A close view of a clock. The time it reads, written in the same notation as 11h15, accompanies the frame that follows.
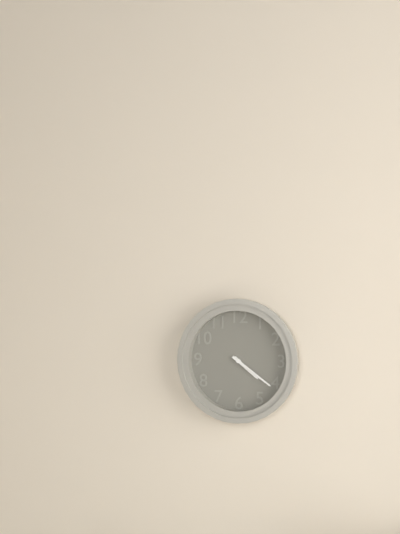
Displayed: 4h21
